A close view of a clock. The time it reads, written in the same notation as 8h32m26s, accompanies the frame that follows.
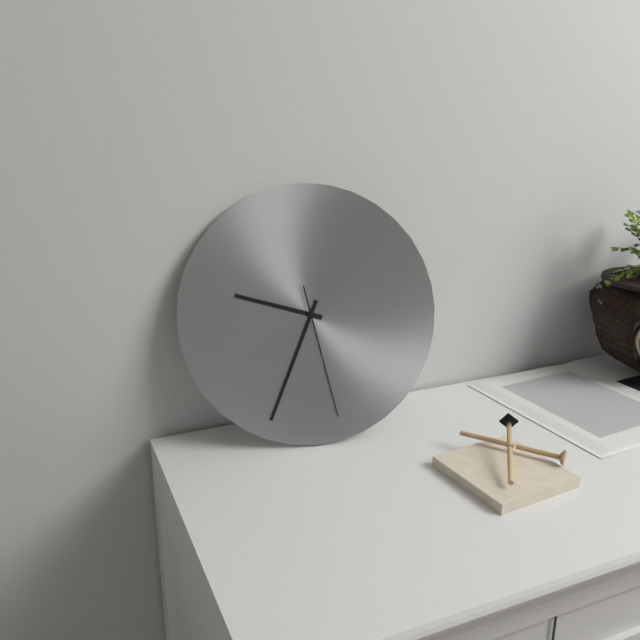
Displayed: 9h34m28s
